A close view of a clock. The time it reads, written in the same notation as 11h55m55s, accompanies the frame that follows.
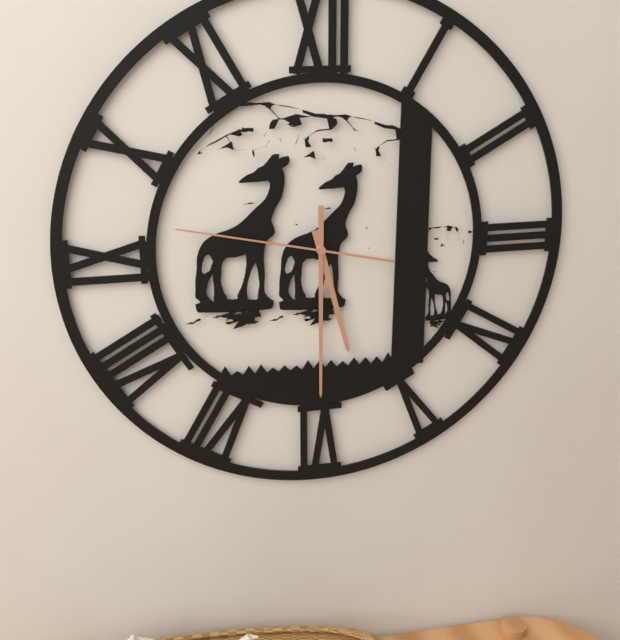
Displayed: 5h30m47s
